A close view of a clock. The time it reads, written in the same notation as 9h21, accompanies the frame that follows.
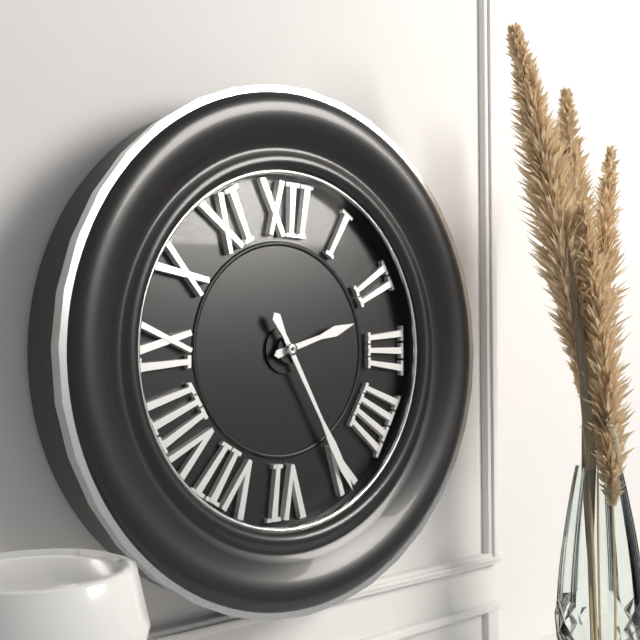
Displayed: 2h25
